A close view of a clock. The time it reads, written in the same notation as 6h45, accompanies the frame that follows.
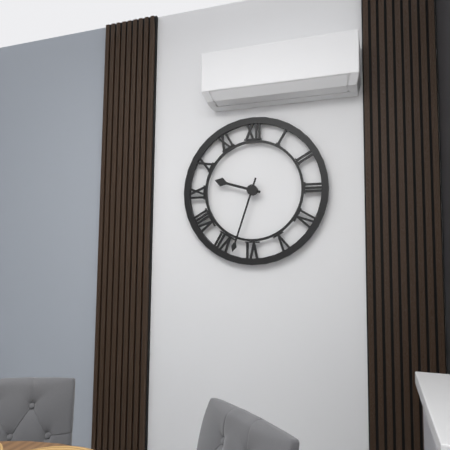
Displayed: 9h33
